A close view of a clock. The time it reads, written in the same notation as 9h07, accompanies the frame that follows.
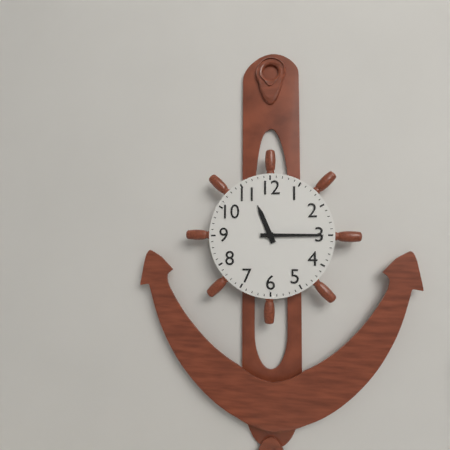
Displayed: 11h15
